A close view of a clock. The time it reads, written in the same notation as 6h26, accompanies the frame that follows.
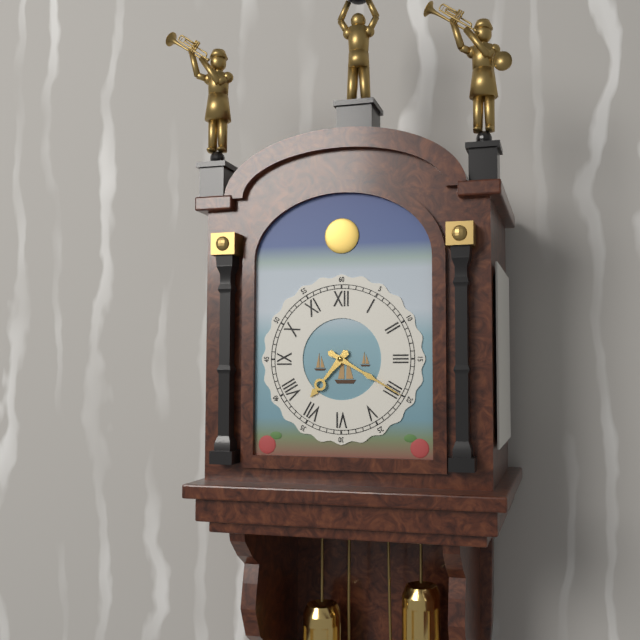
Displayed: 7h20
